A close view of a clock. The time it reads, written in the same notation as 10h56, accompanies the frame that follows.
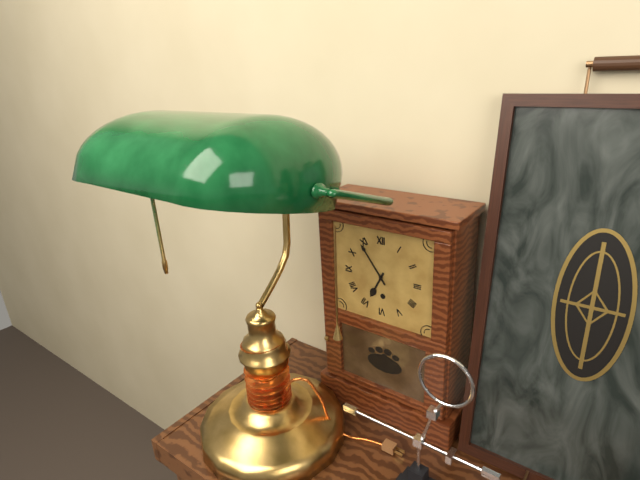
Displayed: 6h54
